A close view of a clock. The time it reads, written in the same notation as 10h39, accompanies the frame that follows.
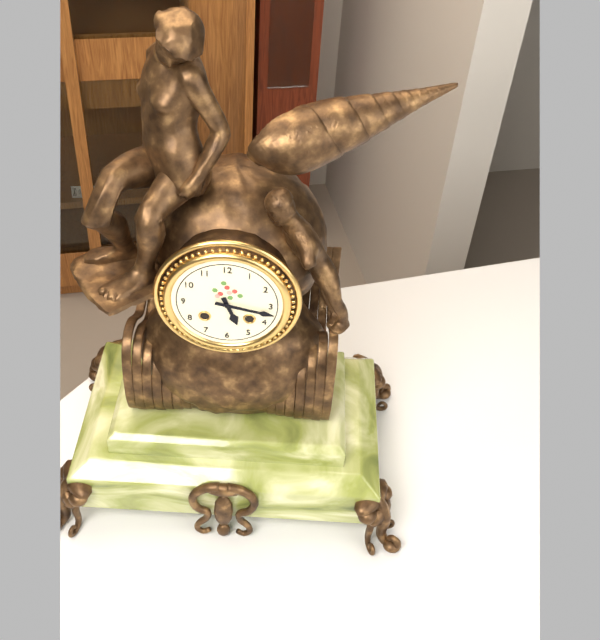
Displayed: 5h17
